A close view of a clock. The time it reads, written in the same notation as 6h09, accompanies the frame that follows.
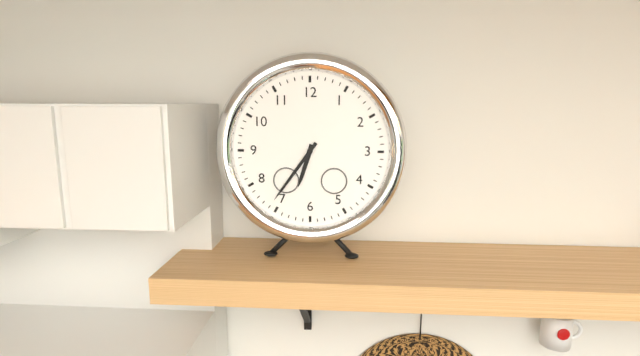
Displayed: 6h36
